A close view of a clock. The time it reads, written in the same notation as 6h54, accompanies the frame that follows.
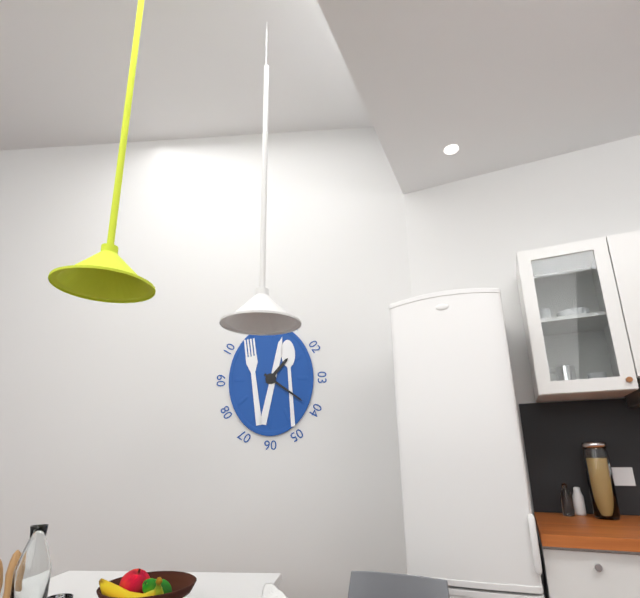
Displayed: 1h21
